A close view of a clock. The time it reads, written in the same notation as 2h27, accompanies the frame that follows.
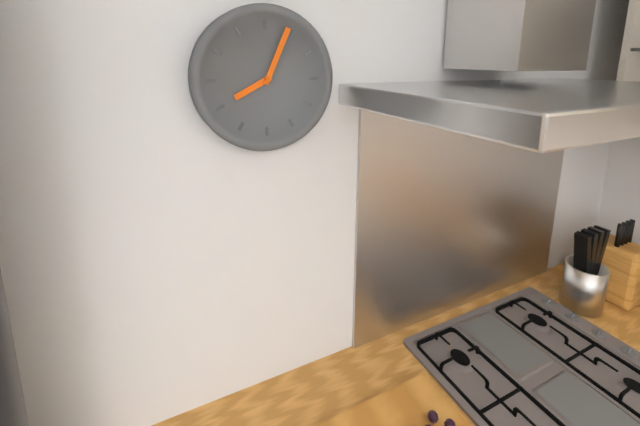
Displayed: 8h04
